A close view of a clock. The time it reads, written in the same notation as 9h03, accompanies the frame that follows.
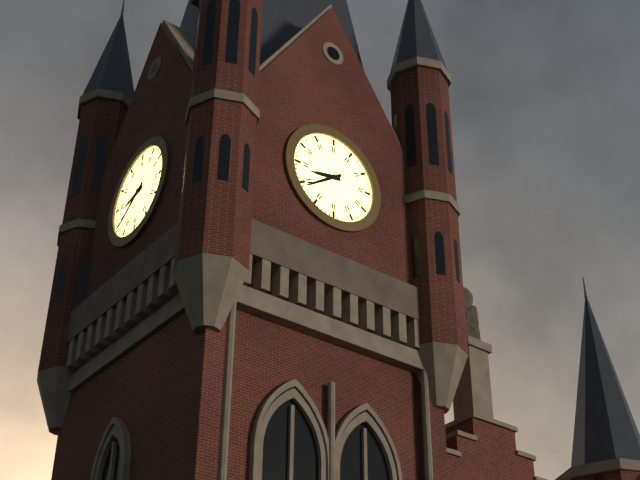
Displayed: 8h39
